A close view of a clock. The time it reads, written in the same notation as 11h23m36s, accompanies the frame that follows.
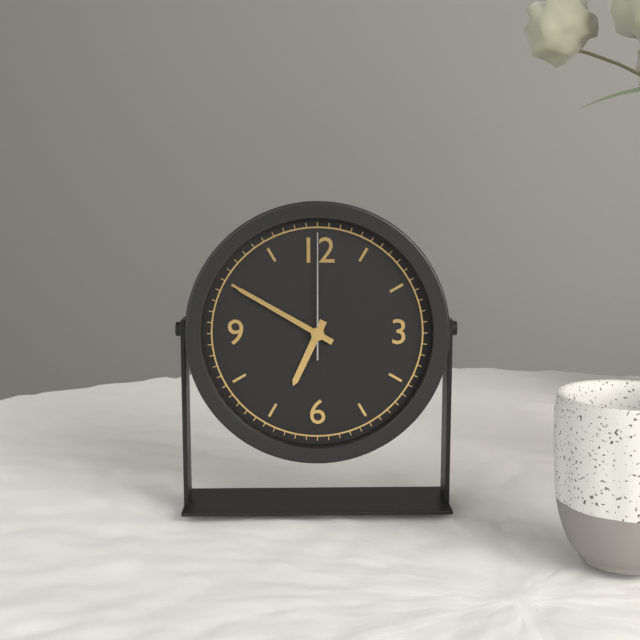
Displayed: 6h50m00s
